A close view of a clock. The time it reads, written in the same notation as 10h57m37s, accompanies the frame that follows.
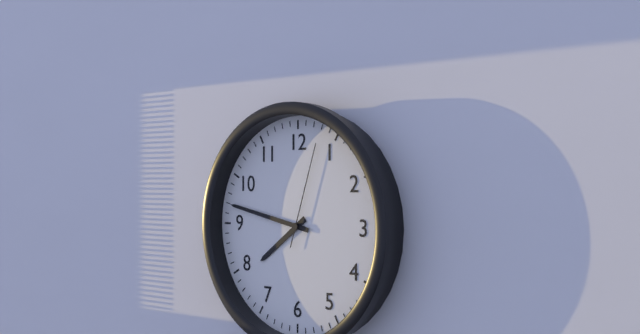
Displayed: 7h47m03s
